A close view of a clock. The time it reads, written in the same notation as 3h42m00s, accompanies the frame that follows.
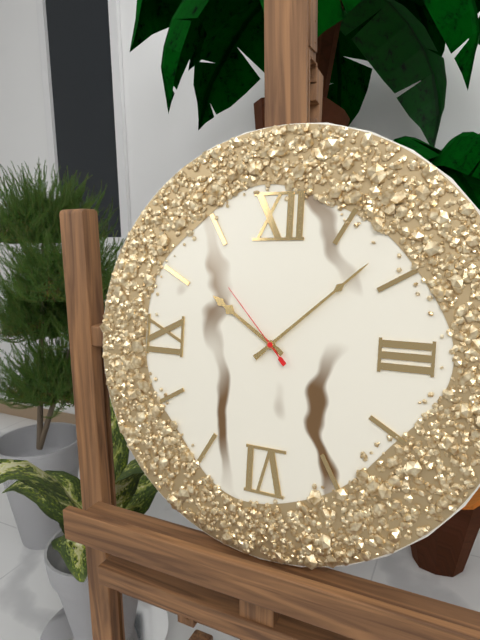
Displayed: 10h08m53s
